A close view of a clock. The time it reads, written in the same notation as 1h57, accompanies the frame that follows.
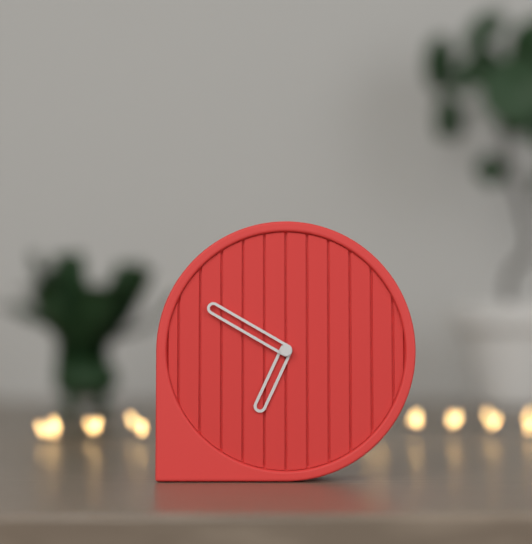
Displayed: 6h50
